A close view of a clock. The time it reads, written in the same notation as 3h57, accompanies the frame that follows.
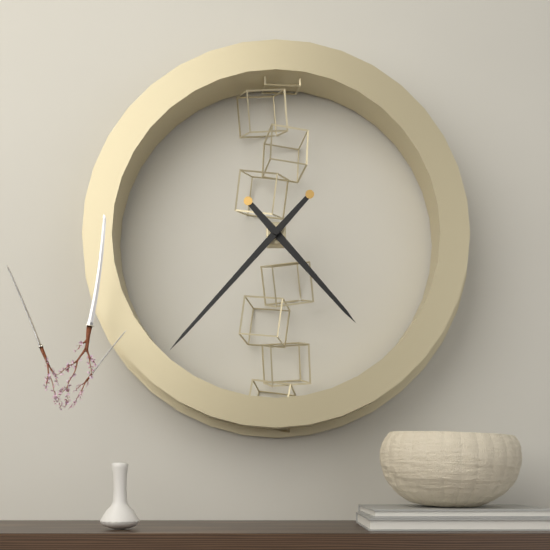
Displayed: 4h37
